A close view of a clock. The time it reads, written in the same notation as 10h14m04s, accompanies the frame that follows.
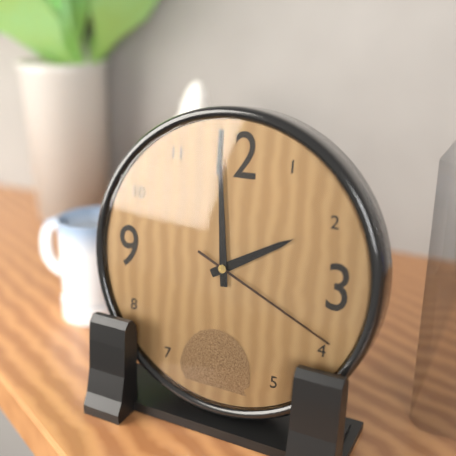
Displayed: 1h59m19s
